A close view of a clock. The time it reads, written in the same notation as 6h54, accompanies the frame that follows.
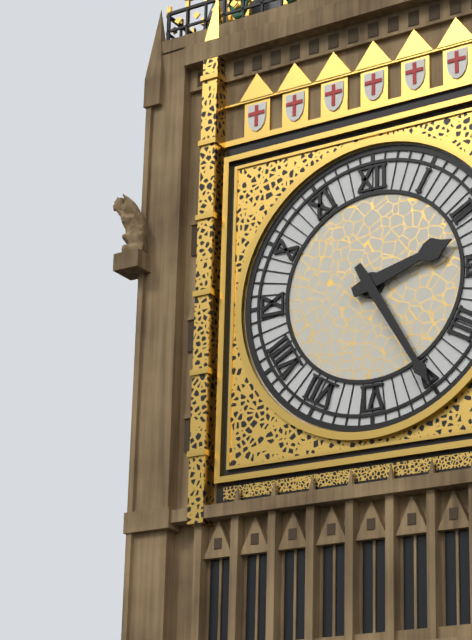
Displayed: 2h25
